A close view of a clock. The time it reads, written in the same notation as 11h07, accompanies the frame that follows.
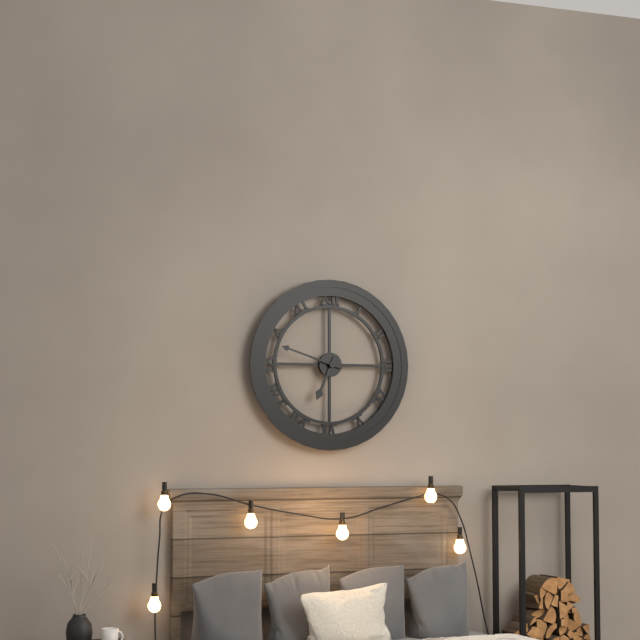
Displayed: 6h48
